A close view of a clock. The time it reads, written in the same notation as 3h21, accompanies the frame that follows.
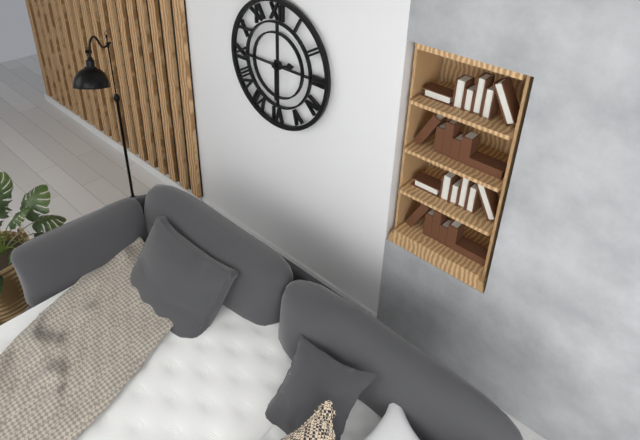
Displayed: 2h30
